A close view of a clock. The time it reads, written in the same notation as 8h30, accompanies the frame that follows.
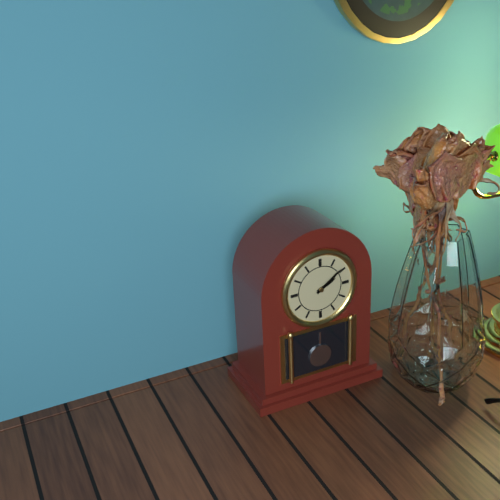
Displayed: 2h09
